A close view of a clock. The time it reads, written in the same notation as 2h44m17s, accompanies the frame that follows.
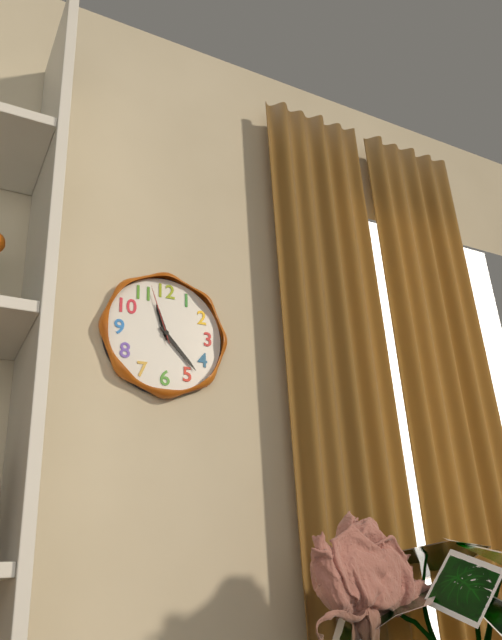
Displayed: 11h23m57s
